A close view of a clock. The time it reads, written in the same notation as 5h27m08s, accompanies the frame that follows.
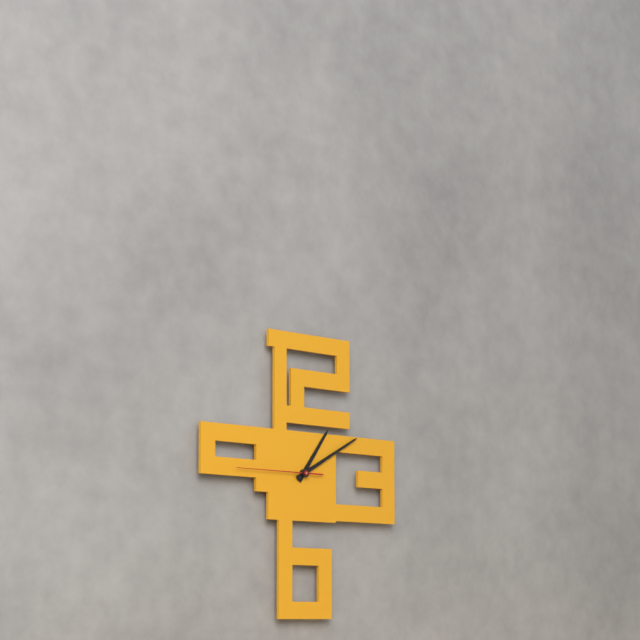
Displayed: 1h10m45s
